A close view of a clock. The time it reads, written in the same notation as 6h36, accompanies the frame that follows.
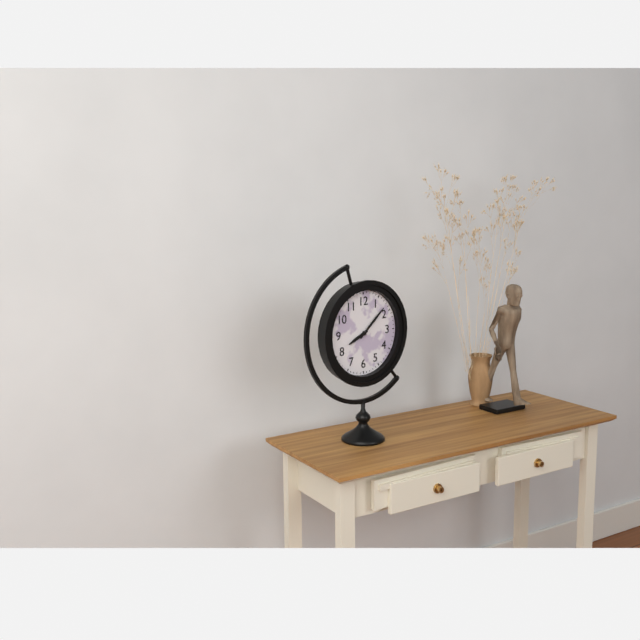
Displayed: 8h08
